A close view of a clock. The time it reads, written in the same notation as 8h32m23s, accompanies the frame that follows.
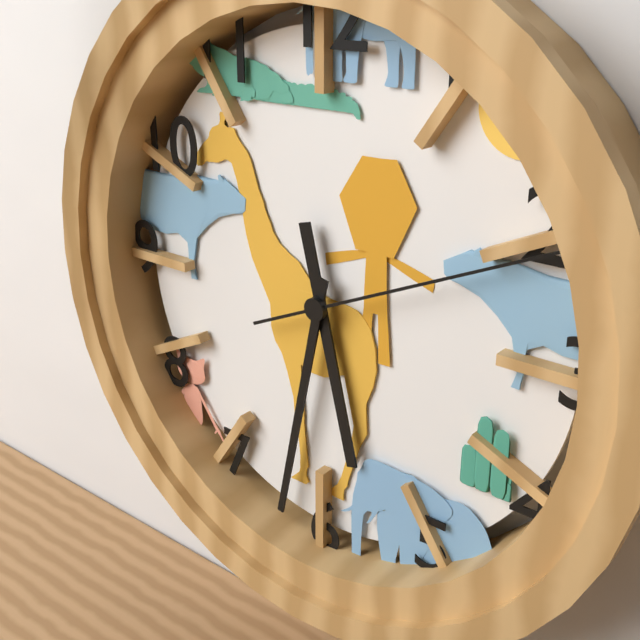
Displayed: 5h32m11s
